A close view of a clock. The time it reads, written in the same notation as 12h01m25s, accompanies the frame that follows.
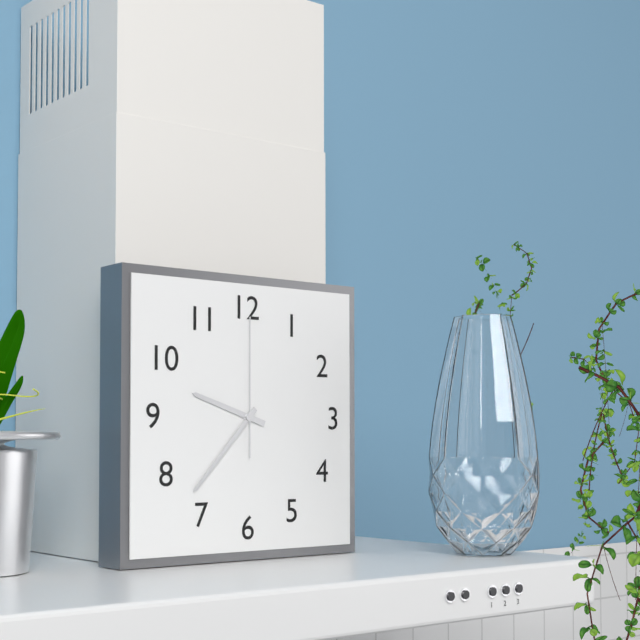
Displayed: 9h37m00s
